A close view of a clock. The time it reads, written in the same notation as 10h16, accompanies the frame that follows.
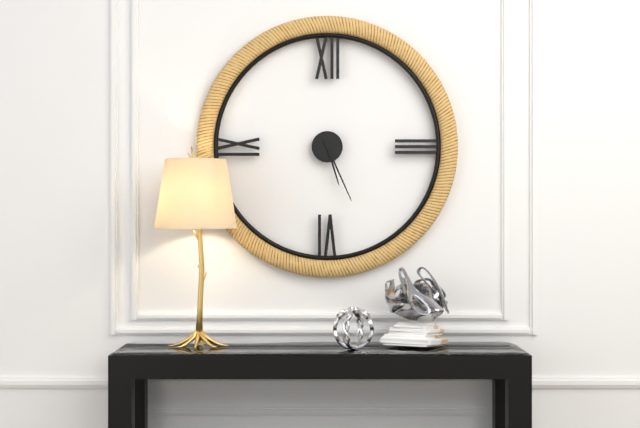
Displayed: 5h26
